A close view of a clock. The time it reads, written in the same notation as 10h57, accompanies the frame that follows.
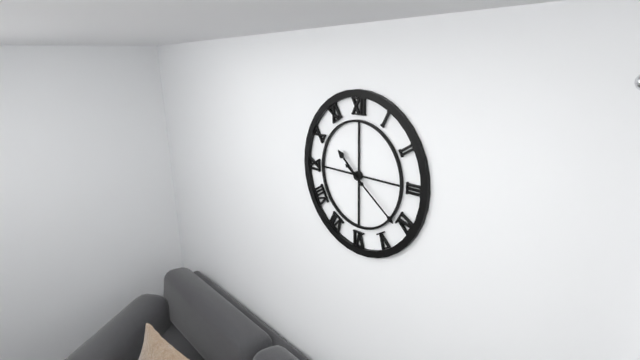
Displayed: 10h21
